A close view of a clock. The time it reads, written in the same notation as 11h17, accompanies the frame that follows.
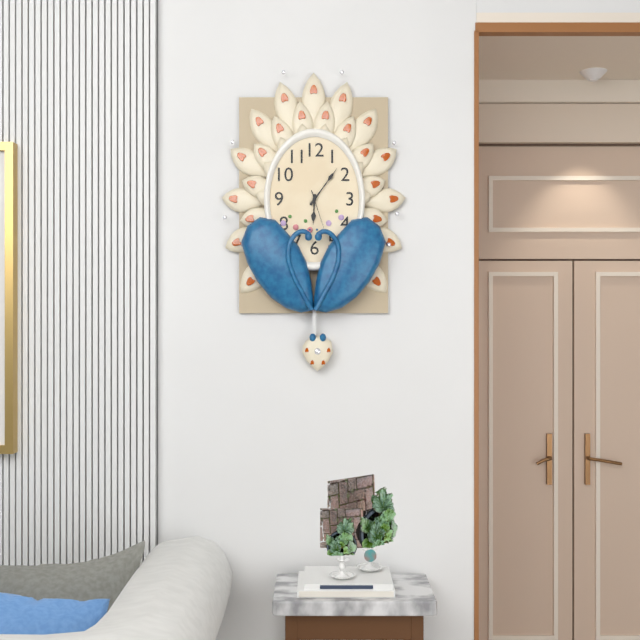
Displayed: 6h06
